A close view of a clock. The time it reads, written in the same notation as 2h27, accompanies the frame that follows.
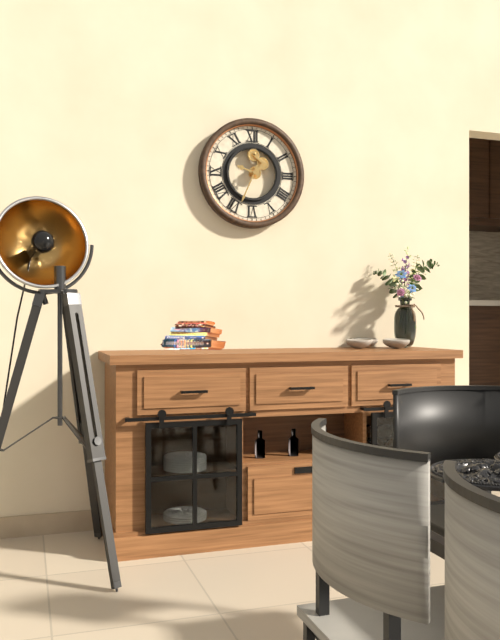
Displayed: 9h34
